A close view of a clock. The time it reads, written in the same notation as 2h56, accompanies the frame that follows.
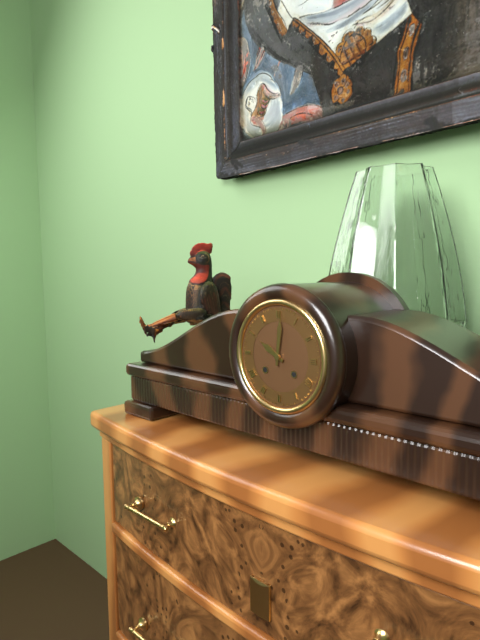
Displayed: 10h01
